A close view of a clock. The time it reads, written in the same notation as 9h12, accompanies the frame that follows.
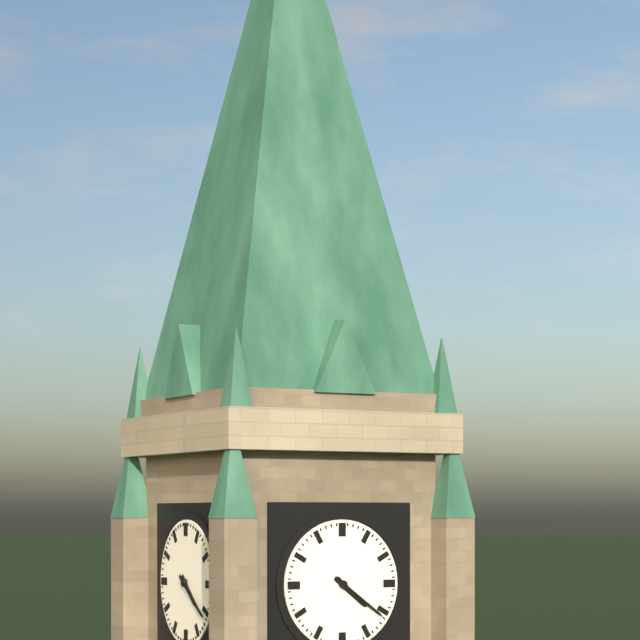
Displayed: 4h21
